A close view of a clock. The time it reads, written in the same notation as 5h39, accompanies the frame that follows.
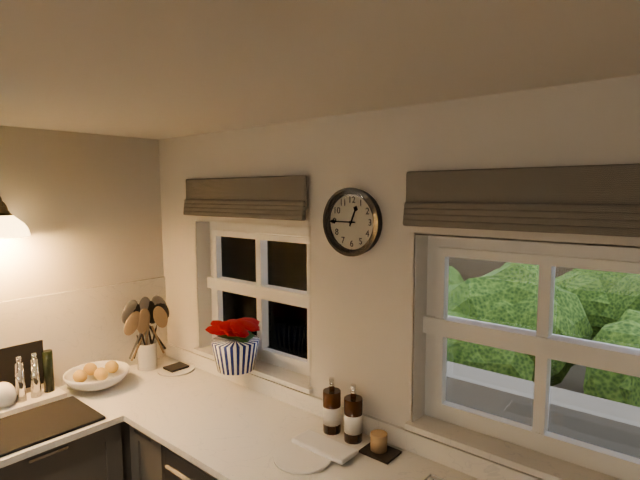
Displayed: 12h45
